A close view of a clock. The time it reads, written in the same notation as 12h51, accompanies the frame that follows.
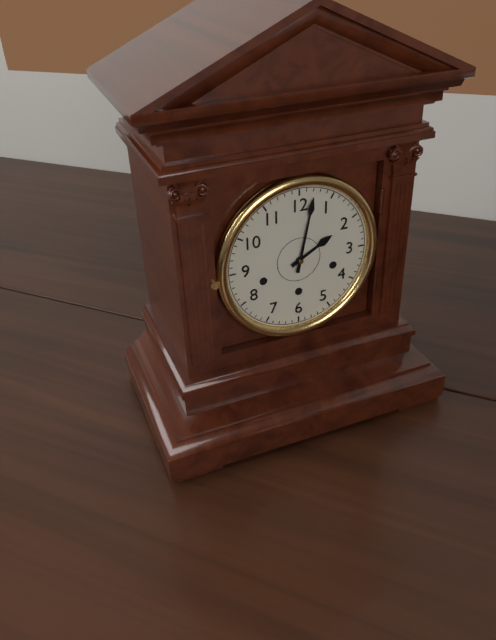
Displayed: 2h02
